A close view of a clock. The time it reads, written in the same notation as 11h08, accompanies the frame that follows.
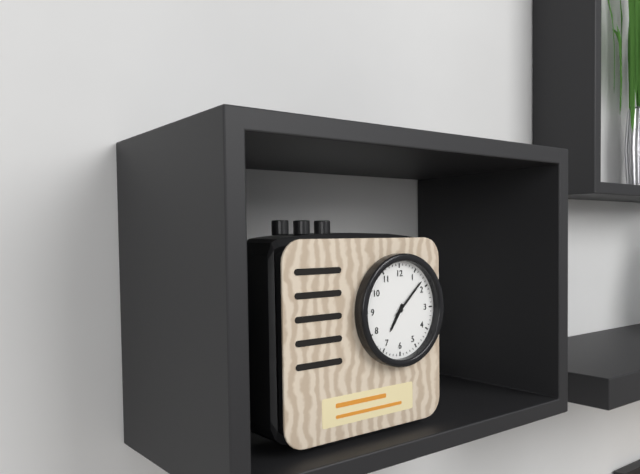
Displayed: 7h08
